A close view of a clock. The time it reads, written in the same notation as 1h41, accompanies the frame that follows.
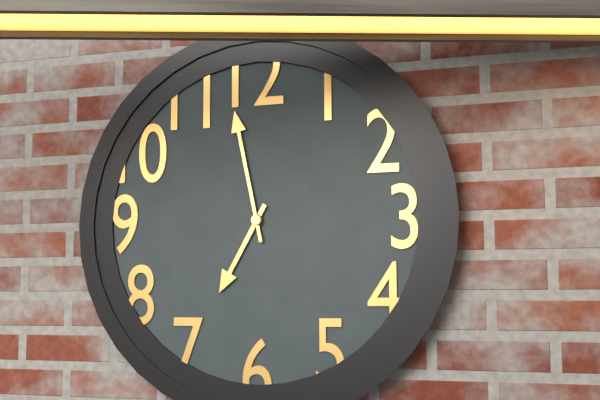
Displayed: 6h58
